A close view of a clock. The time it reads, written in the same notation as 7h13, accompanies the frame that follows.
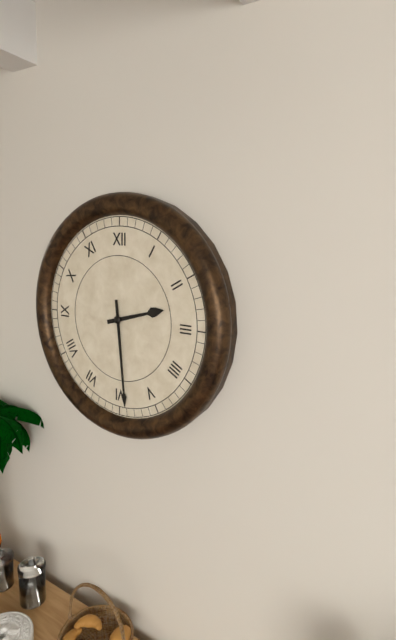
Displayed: 2h29
